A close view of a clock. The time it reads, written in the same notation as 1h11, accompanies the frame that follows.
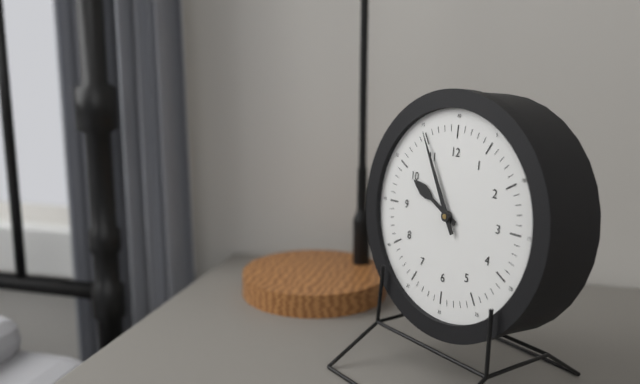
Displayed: 9h55
